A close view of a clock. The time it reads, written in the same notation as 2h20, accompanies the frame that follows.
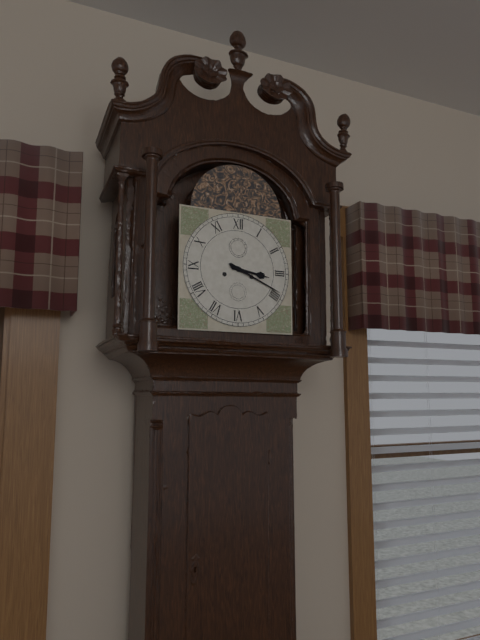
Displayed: 3h19
